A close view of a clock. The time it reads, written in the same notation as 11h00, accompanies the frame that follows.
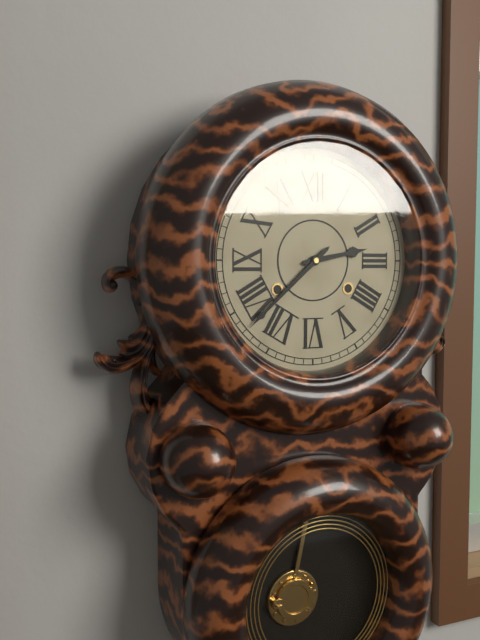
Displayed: 2h38
